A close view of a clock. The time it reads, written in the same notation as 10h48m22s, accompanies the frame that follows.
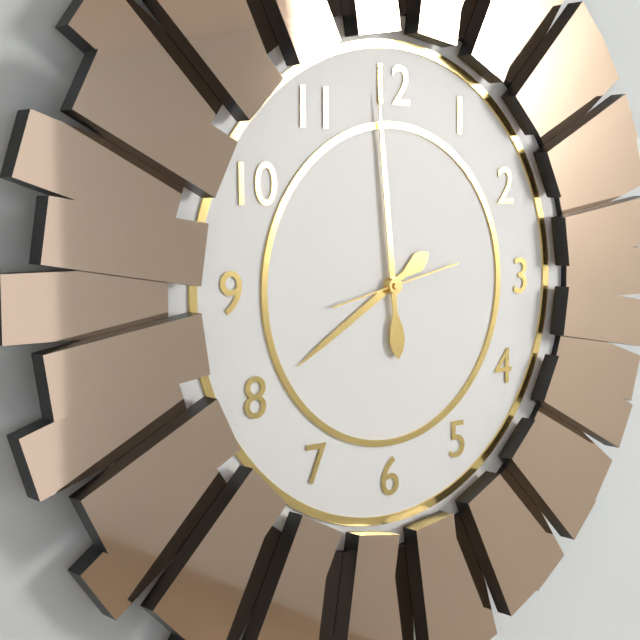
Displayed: 7h59m13s
